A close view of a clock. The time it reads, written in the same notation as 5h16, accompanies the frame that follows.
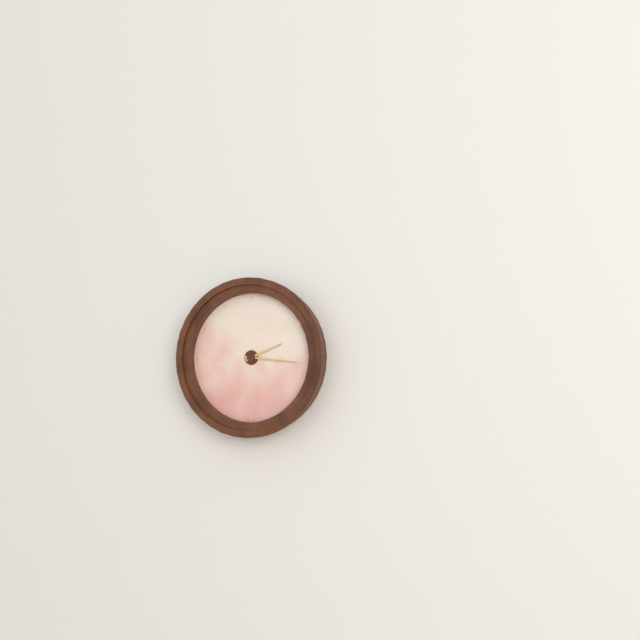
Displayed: 2h16
